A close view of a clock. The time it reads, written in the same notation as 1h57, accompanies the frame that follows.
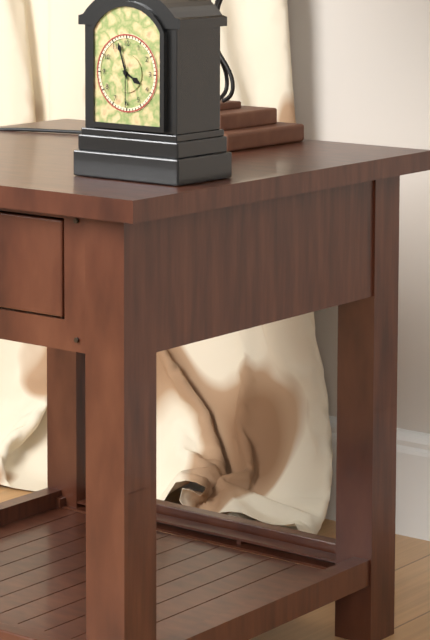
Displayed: 3h57
